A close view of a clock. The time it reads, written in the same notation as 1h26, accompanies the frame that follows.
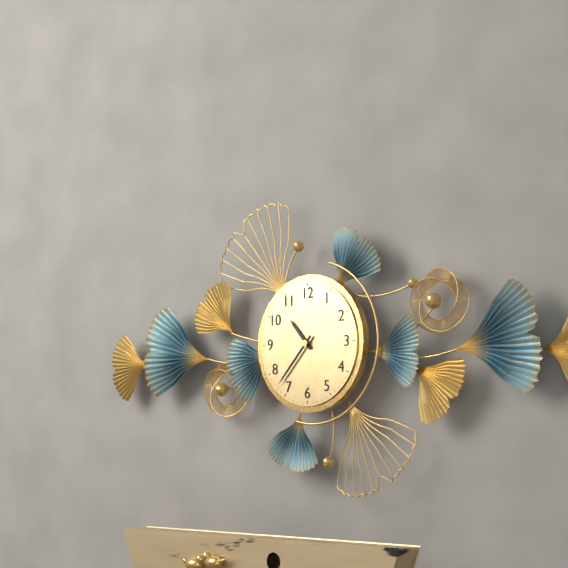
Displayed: 10h37
